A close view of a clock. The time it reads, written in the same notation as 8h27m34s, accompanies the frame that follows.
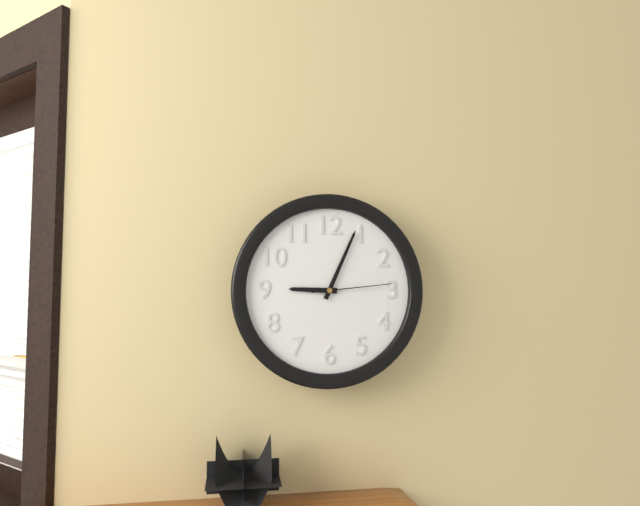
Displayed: 9h04m14s
